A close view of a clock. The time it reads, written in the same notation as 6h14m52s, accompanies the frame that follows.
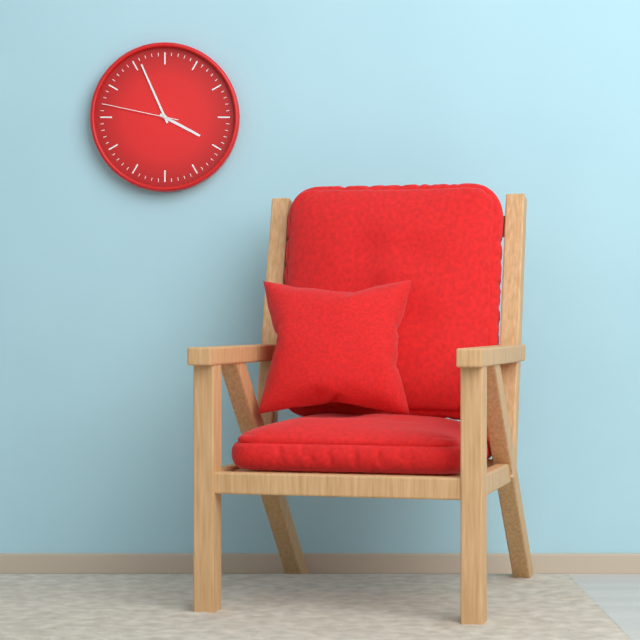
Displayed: 3h56m47s
